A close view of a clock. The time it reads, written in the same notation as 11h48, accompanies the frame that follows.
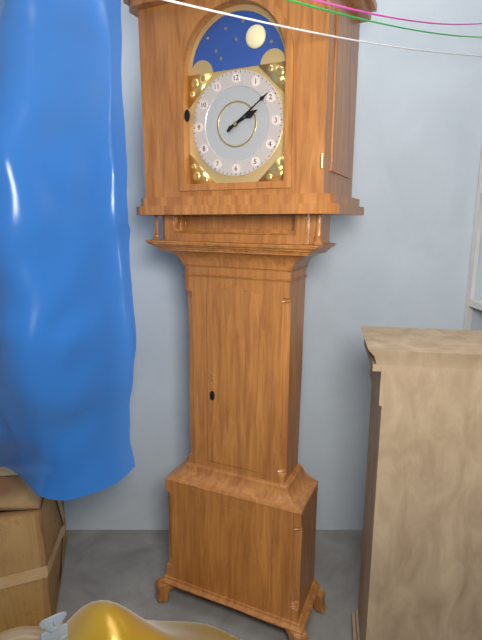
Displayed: 2h09
